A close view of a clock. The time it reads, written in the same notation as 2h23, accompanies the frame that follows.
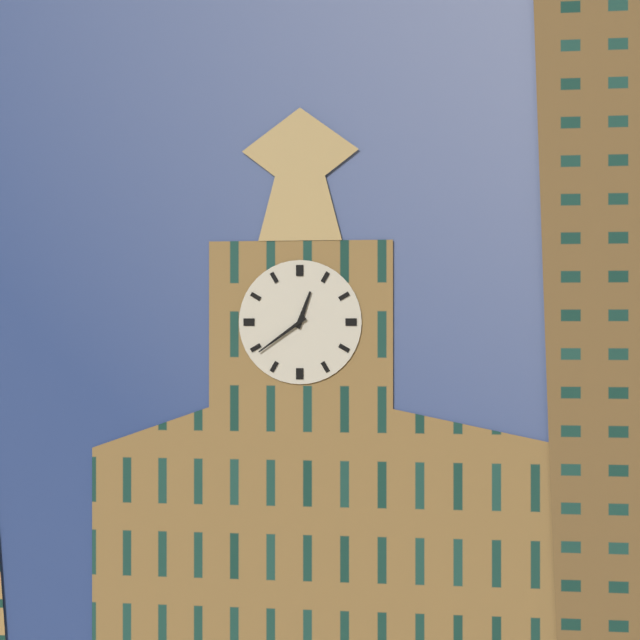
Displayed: 12h39
